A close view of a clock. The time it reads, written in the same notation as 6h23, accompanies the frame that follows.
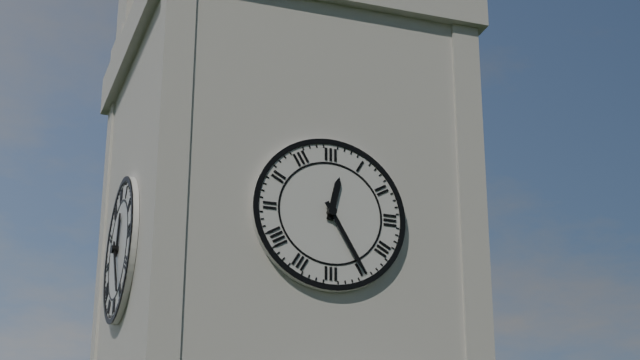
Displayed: 12h25
